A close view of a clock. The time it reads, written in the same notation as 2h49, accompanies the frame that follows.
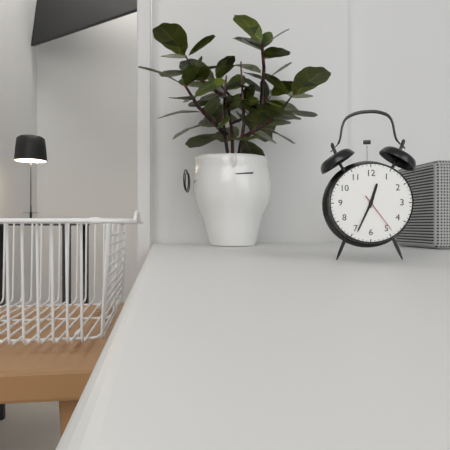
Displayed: 12h34
